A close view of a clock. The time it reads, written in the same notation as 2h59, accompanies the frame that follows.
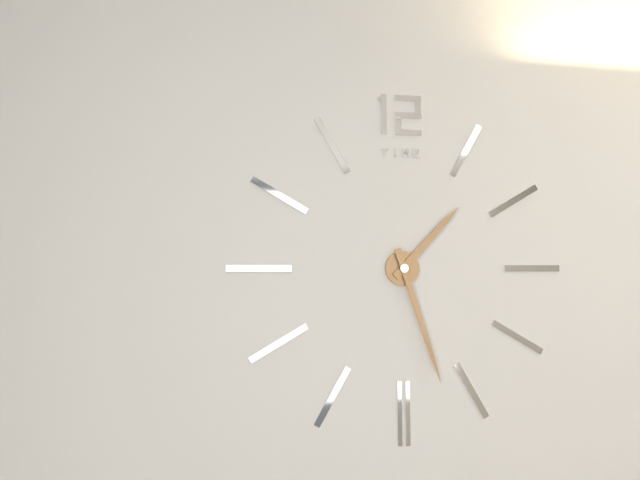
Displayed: 1h27
